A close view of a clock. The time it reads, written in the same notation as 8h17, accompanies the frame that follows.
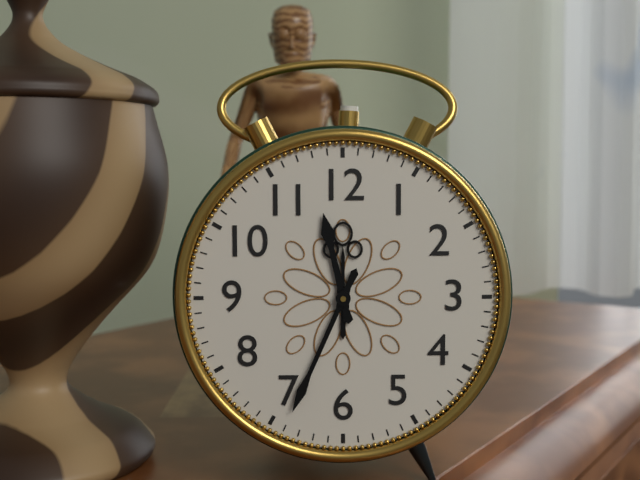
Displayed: 11h34
